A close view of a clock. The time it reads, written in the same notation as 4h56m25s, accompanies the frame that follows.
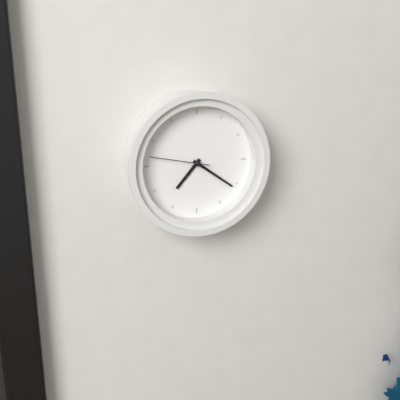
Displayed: 7h21m47s
